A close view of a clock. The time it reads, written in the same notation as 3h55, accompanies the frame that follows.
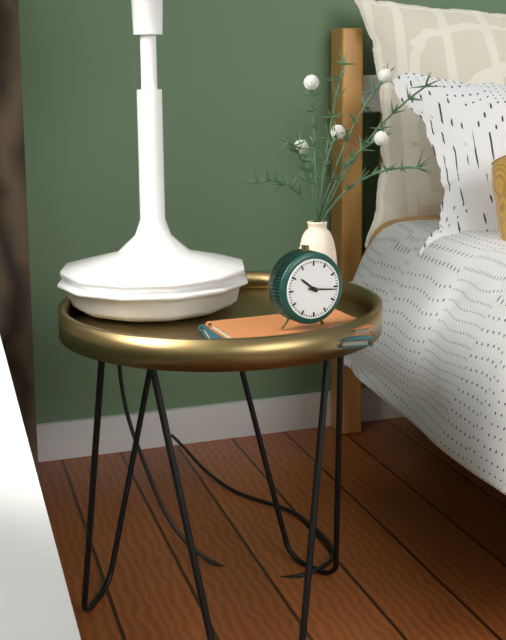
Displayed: 10h16
